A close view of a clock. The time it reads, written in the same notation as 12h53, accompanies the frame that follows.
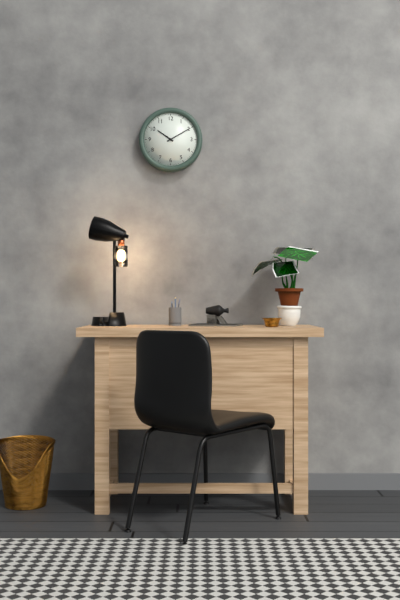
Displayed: 10h10
